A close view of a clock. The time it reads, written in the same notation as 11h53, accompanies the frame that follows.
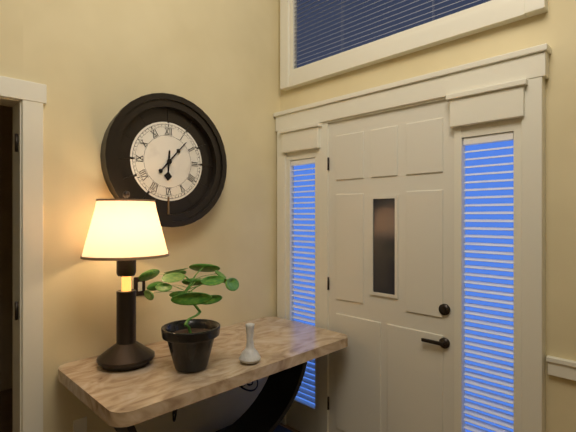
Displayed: 6h07
